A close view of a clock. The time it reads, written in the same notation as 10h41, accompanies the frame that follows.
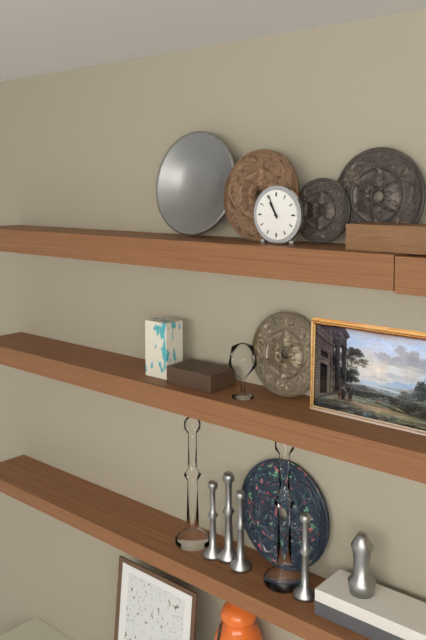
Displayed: 10h56
